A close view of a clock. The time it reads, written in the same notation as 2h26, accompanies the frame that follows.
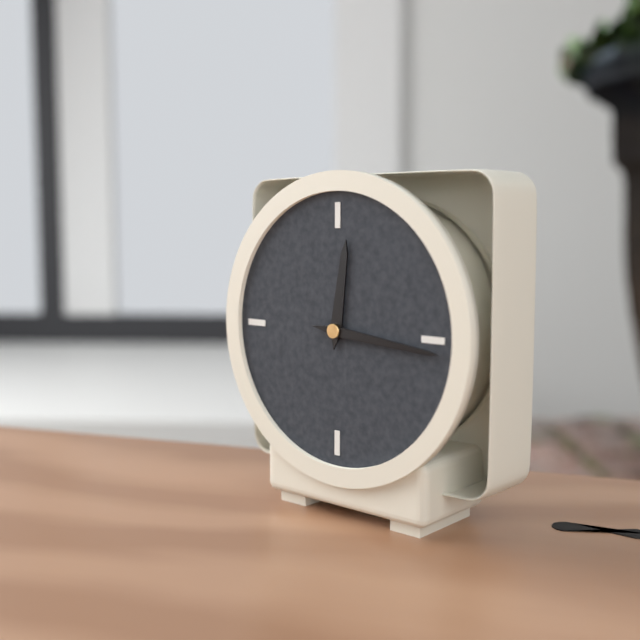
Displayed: 12h16
